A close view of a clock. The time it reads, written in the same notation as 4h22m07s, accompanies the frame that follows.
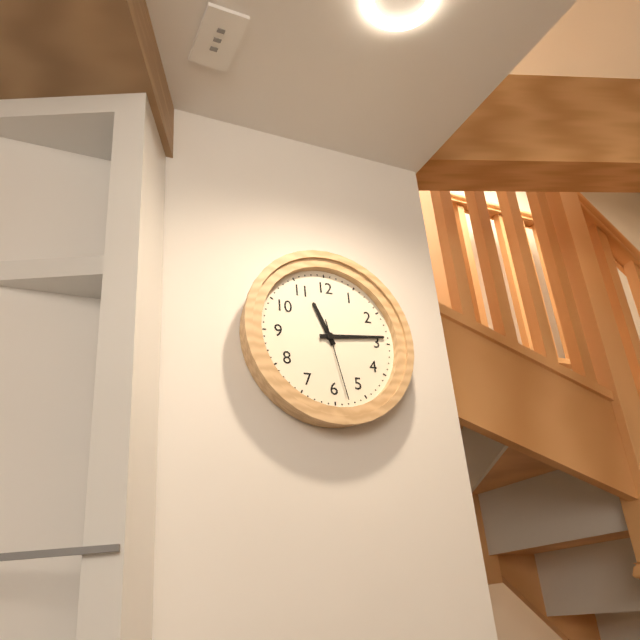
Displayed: 11h14m28s
